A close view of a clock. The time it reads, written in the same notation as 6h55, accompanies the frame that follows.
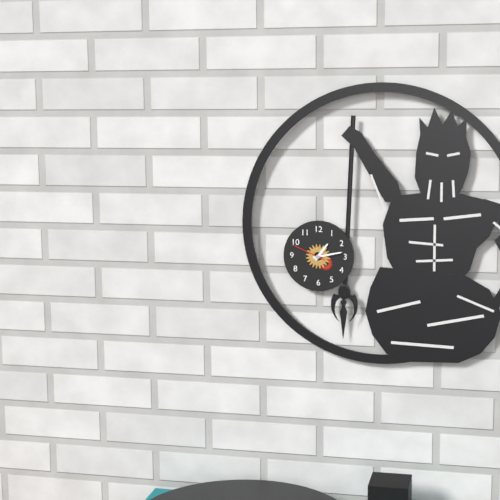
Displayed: 1h13
